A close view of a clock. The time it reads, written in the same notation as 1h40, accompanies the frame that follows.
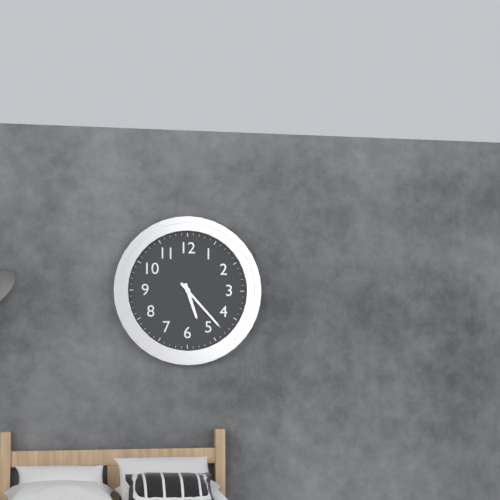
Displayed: 5h23
